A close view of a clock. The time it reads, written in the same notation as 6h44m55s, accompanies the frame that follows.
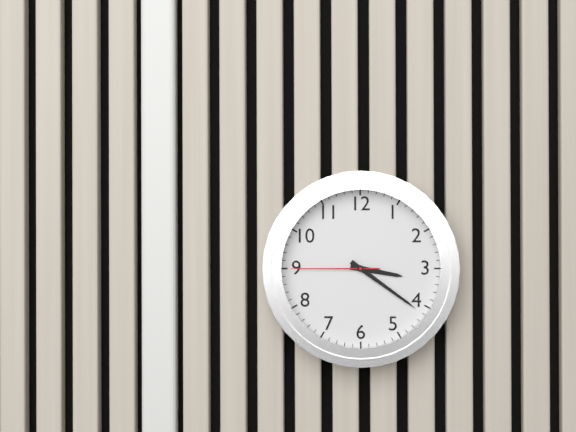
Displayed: 3h21m45s
